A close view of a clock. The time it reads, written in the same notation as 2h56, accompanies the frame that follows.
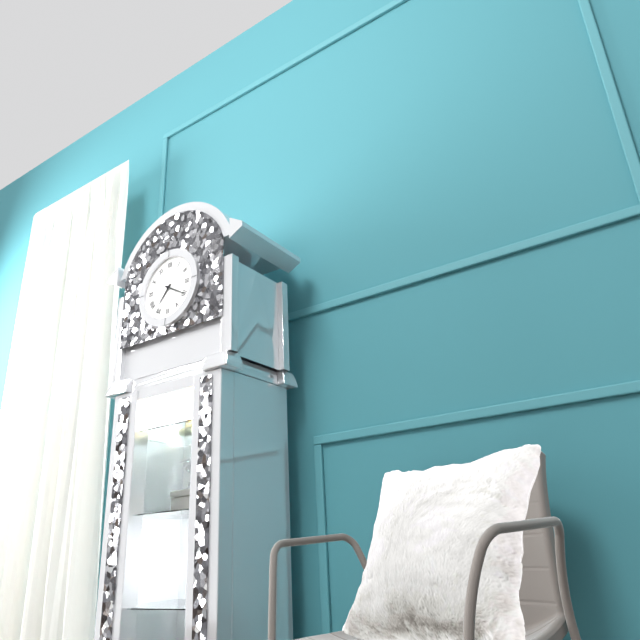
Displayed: 7h20
